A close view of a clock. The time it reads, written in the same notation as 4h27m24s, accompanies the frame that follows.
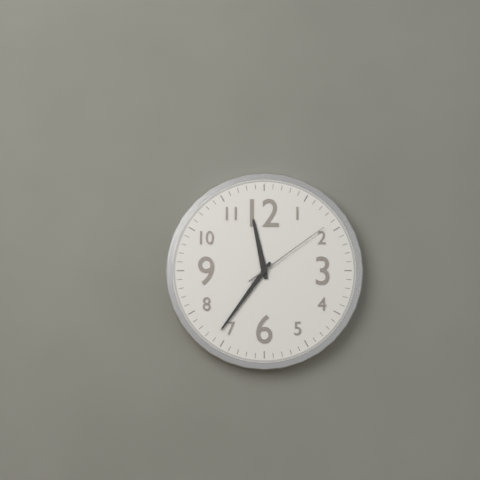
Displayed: 11h36m09s
